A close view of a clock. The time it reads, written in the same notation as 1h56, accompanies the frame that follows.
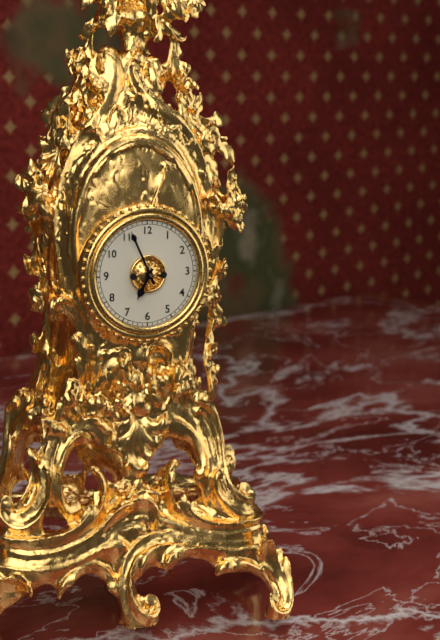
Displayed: 6h56
